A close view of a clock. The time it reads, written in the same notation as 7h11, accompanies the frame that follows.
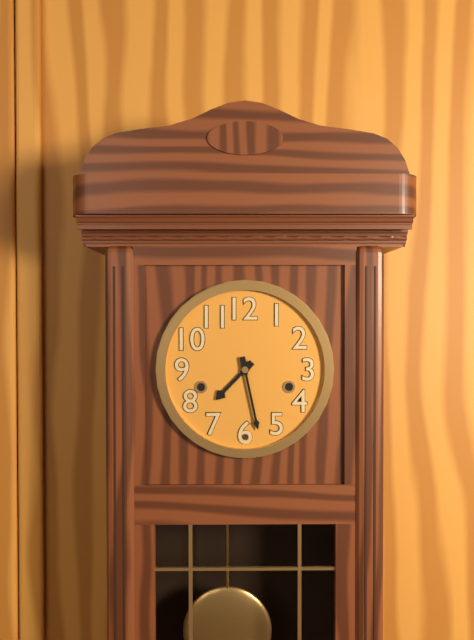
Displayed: 7h28
